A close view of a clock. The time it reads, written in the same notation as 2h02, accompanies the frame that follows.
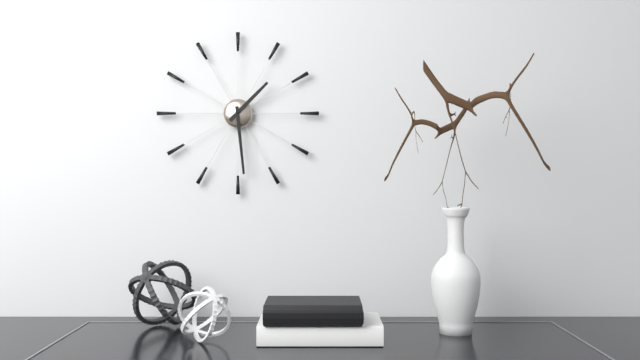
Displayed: 1h29
